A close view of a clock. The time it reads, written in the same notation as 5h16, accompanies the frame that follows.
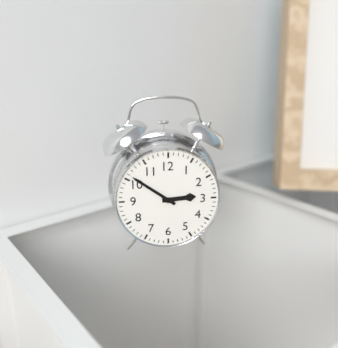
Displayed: 2h51
